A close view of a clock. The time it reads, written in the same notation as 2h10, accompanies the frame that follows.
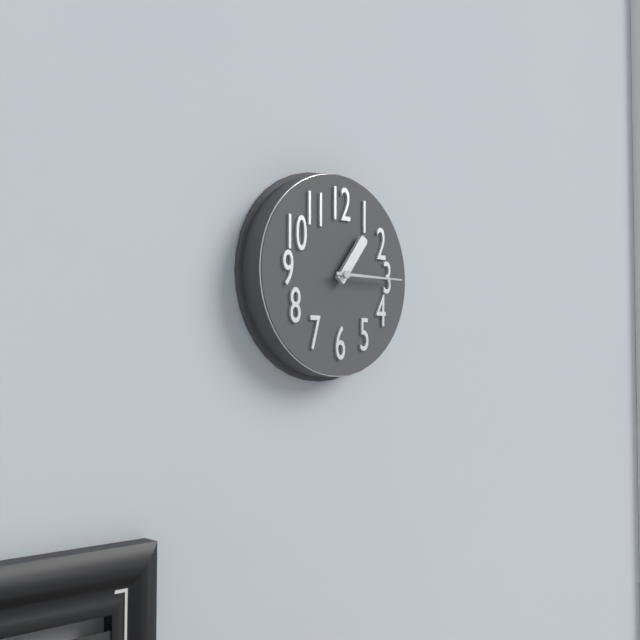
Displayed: 1h15
